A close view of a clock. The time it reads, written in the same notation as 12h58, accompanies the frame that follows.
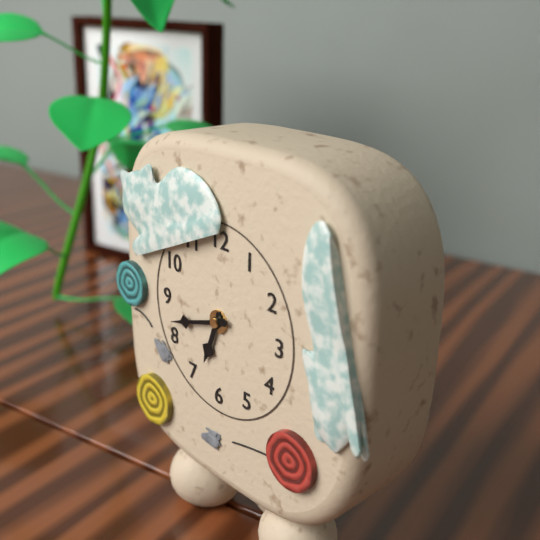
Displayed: 6h42
